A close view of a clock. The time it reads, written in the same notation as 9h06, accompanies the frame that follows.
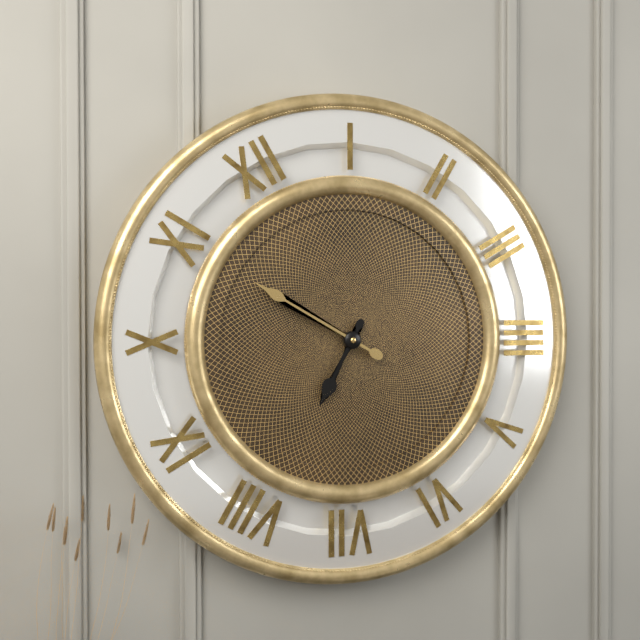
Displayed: 7h55
